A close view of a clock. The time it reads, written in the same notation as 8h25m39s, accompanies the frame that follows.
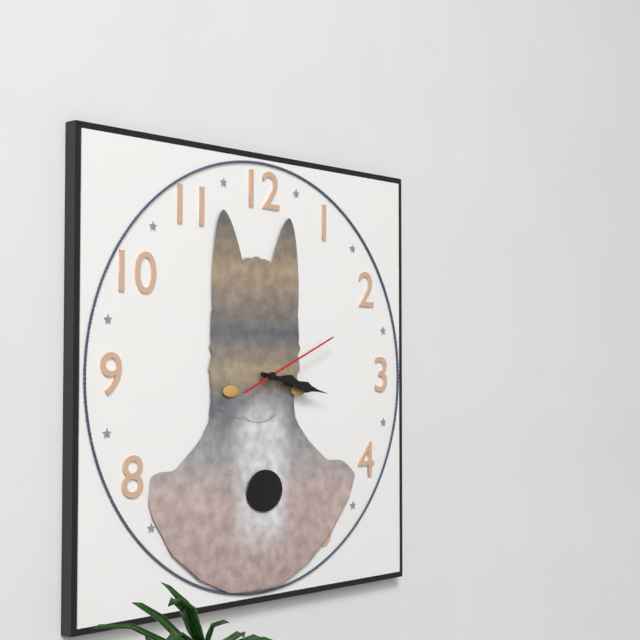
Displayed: 3h17m11s
